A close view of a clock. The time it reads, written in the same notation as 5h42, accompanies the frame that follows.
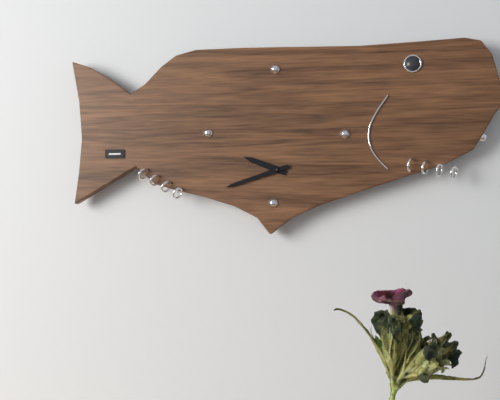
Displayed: 9h42
